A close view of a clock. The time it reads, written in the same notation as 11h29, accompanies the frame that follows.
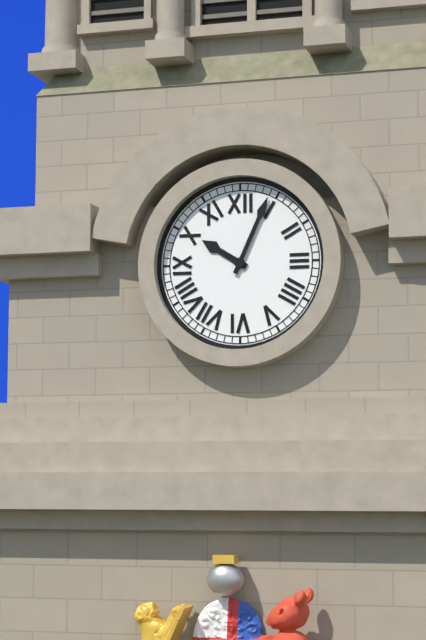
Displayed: 10h04
